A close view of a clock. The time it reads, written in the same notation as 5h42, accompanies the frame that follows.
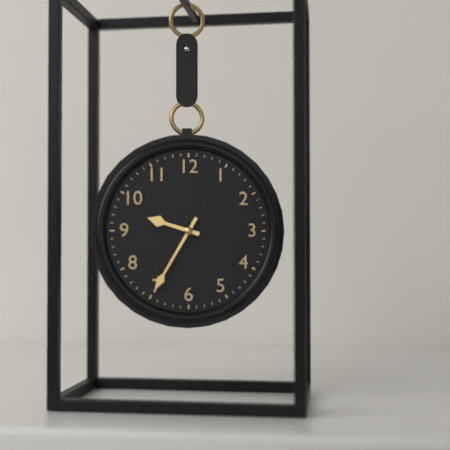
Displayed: 9h35
